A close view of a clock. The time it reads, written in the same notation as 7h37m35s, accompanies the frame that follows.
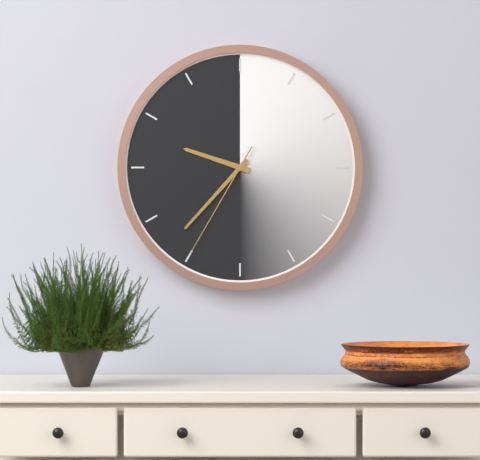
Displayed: 9h37m35s
